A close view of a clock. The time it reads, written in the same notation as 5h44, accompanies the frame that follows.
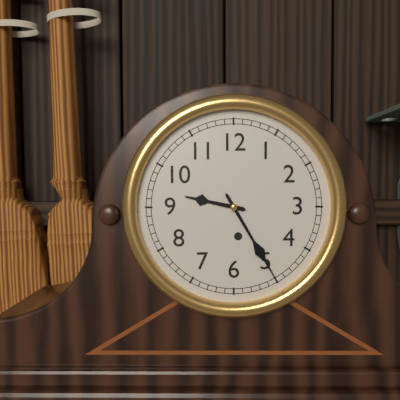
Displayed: 9h25
